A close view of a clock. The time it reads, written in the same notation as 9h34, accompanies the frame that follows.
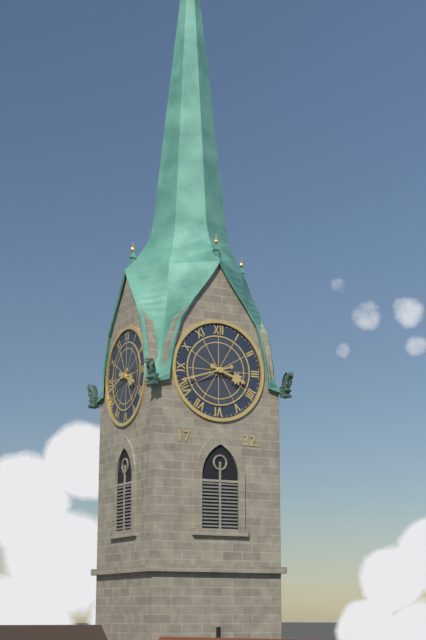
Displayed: 3h42
